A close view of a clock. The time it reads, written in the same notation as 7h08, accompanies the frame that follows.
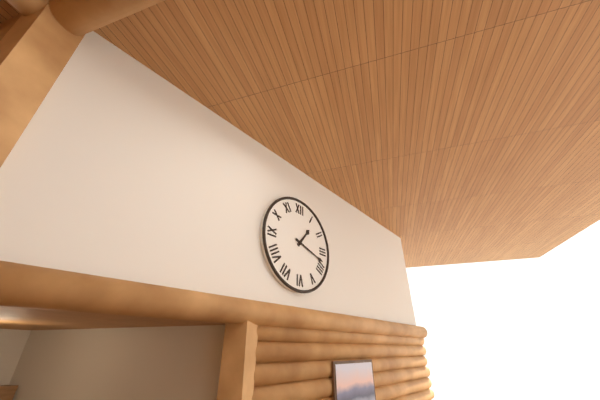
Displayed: 1h18
